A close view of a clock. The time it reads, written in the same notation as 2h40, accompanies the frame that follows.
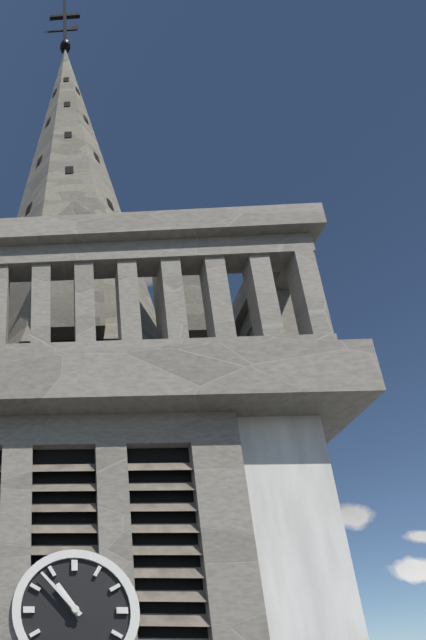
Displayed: 10h53
